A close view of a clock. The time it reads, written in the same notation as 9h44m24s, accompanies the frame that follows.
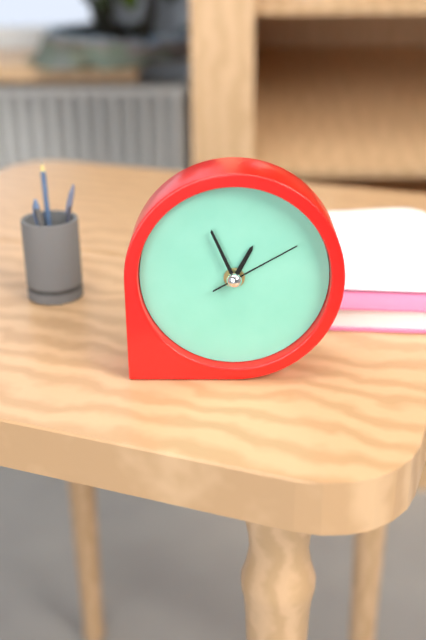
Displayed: 12h56m10s
